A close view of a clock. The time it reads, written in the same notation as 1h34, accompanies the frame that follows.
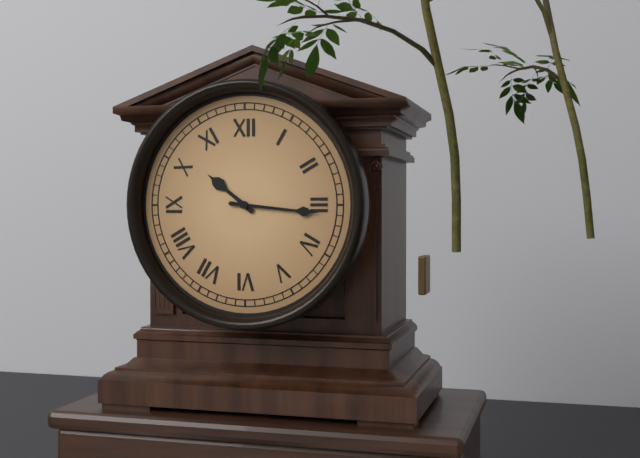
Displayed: 10h16
